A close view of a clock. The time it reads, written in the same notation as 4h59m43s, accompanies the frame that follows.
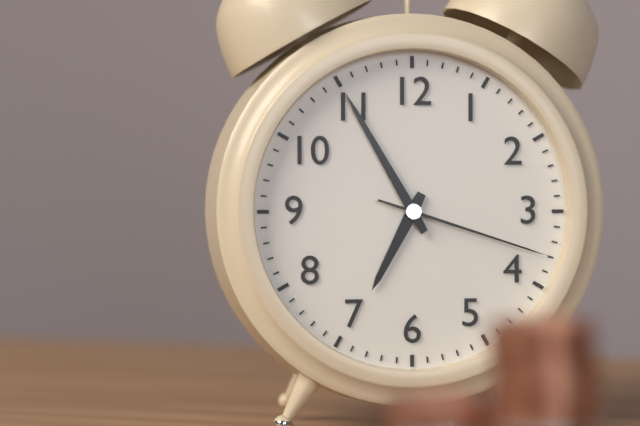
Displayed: 6h55m18s
